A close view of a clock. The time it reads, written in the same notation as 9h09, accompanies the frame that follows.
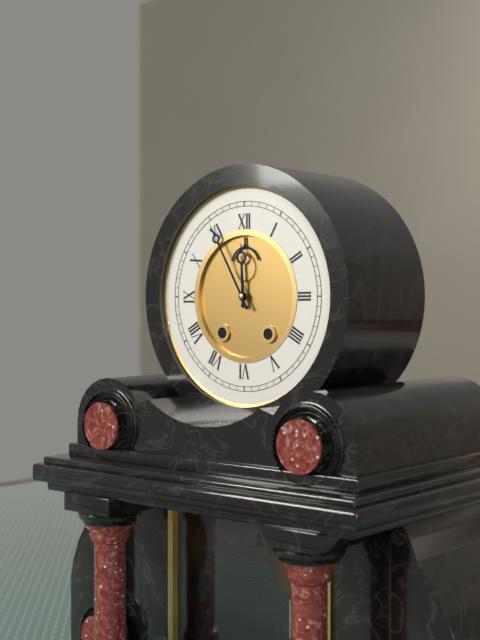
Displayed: 11h55
